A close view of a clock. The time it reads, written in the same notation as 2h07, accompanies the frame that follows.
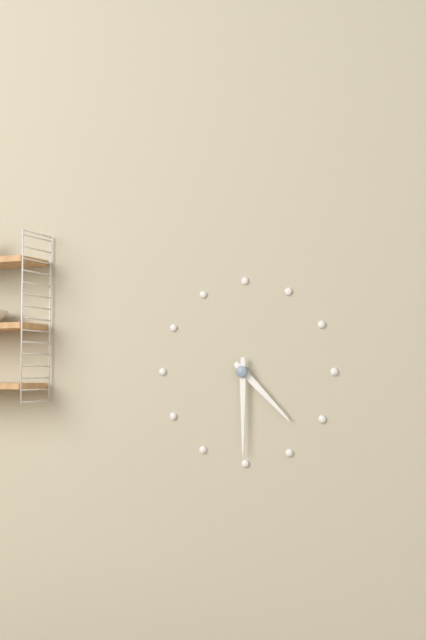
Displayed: 4h30
